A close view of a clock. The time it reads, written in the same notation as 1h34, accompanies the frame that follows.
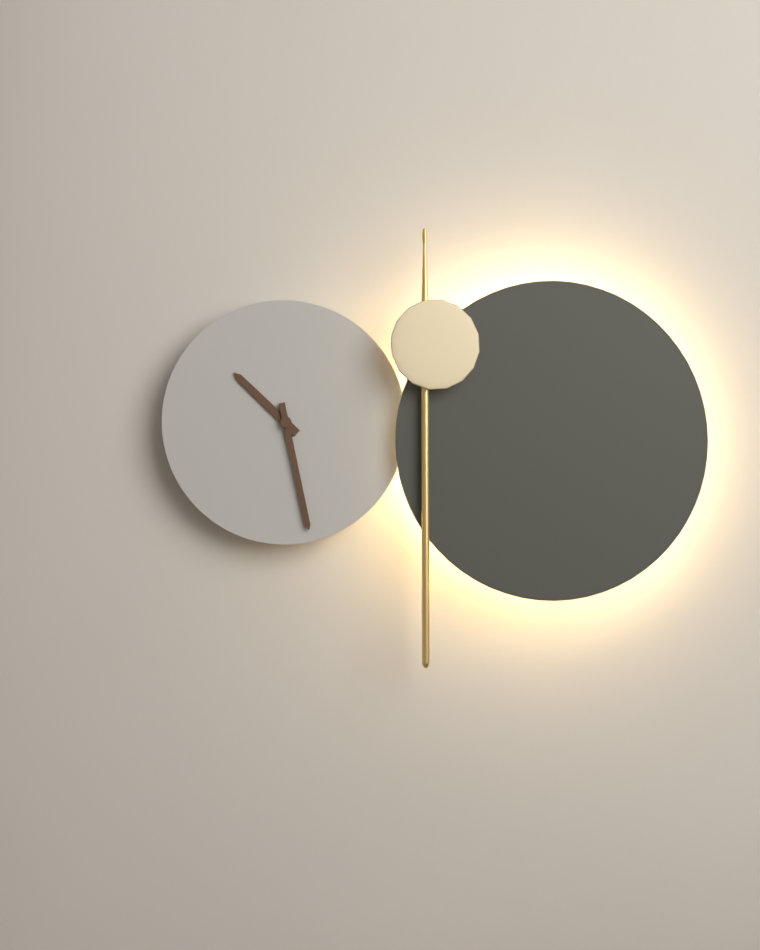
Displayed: 10h28
